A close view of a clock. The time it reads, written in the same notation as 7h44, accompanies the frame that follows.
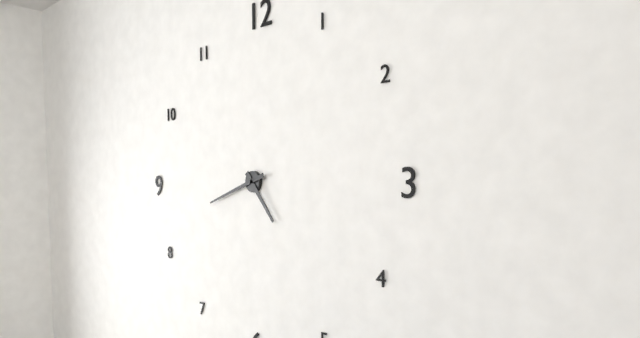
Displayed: 4h42
